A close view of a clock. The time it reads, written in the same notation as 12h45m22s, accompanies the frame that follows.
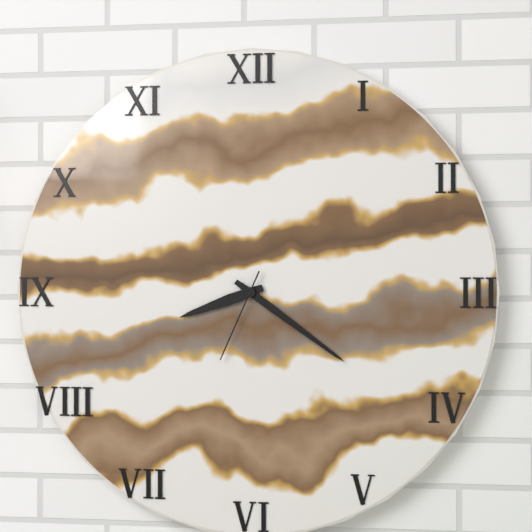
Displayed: 8h21m34s
